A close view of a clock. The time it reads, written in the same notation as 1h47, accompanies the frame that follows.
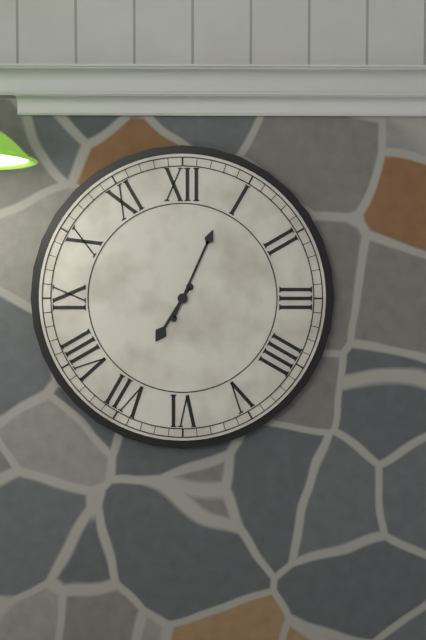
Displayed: 7h04
